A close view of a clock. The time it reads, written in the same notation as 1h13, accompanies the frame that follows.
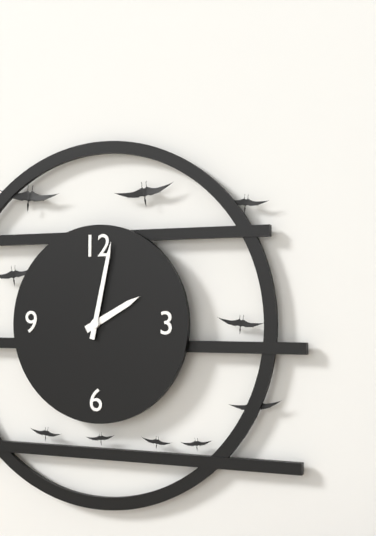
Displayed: 2h02
